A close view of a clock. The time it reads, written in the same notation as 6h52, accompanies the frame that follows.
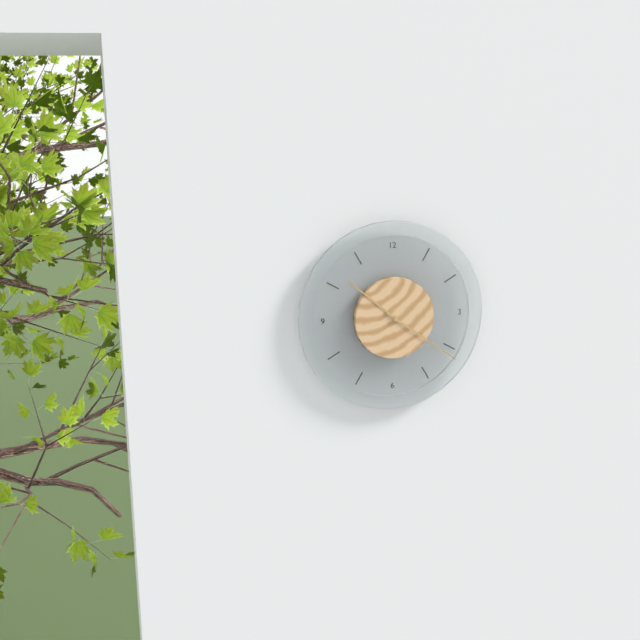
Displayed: 10h21
